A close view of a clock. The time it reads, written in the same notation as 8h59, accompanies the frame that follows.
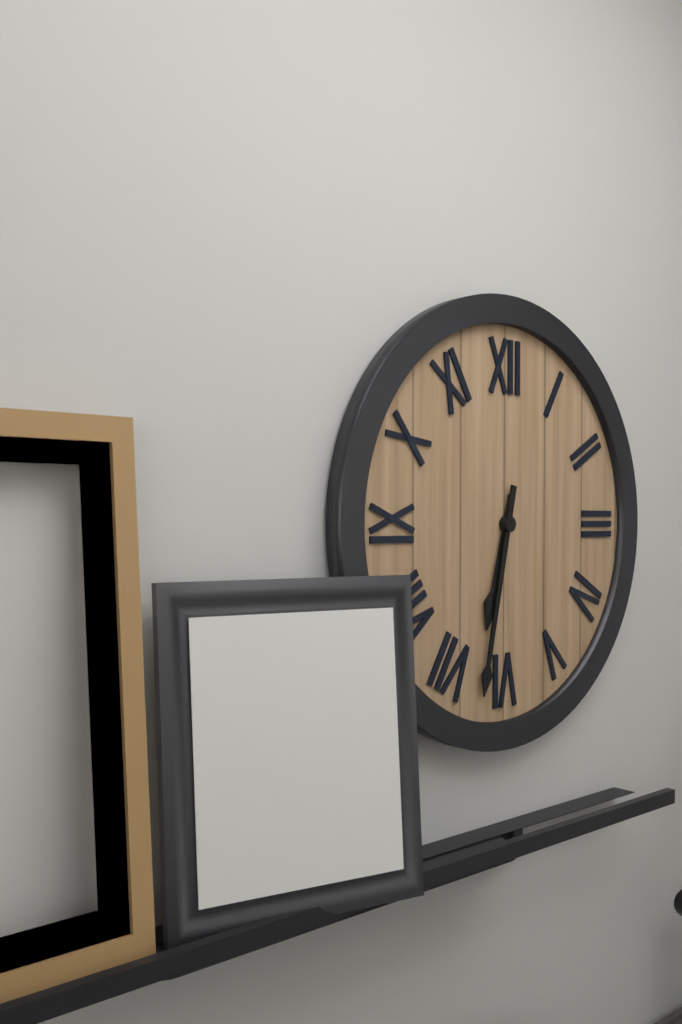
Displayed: 6h32
